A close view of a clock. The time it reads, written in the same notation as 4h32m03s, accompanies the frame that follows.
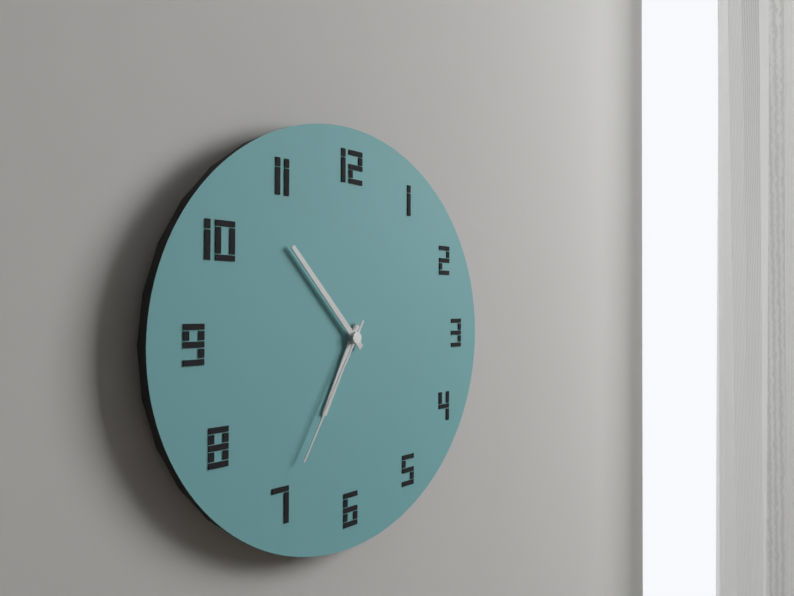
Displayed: 6h53m35s
